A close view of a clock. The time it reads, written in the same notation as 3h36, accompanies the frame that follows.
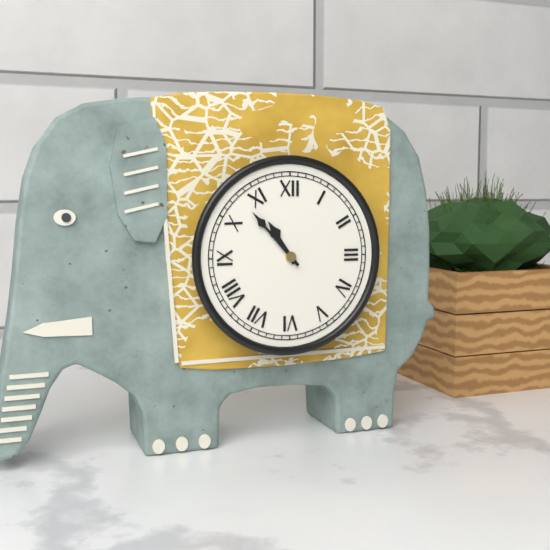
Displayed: 10h53
